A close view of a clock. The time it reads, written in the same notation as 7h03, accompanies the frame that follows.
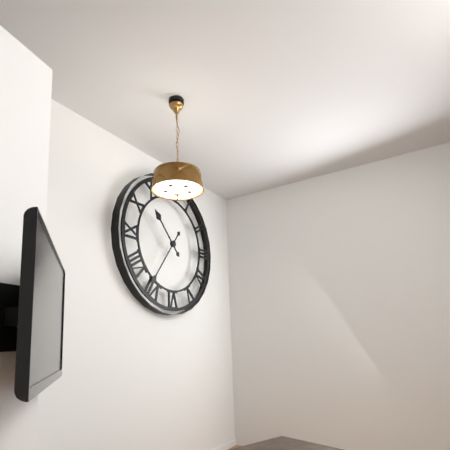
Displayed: 10h36
